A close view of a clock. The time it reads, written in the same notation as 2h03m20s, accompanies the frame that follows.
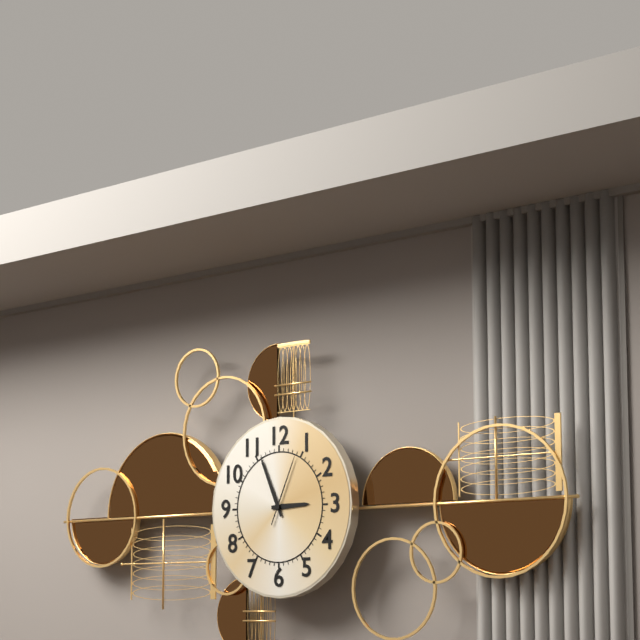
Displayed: 2h56m04s
